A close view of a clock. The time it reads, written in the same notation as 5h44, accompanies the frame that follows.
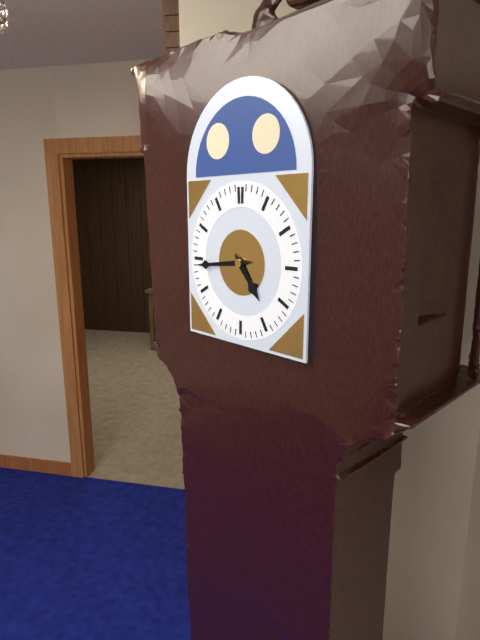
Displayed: 4h44
